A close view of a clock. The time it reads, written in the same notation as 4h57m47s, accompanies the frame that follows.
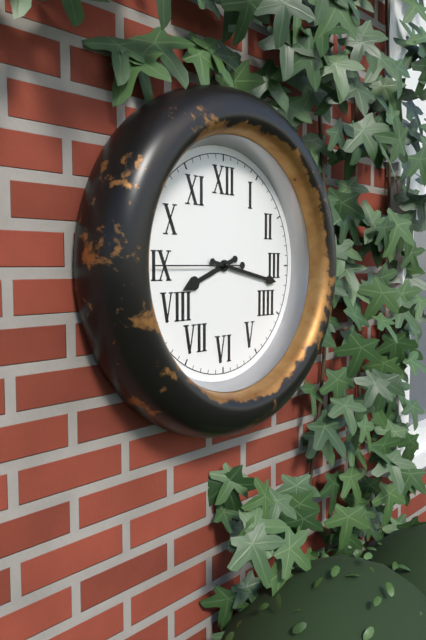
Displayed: 8h17m45s
